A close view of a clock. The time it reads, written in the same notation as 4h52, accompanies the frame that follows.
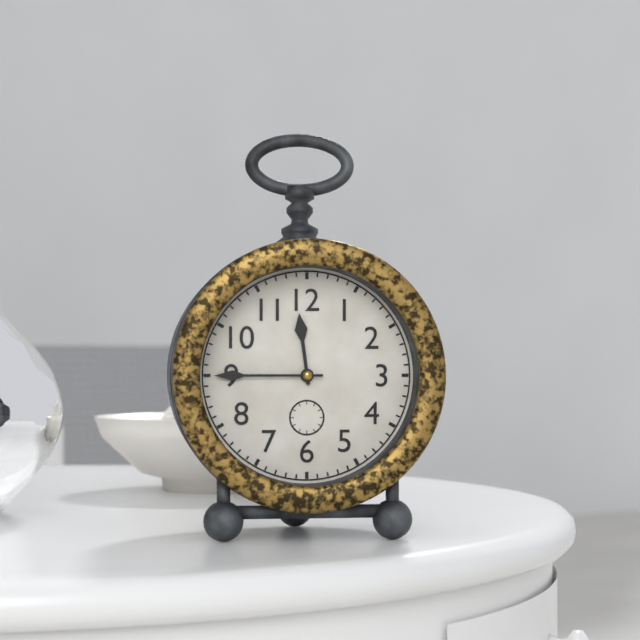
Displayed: 11h45
